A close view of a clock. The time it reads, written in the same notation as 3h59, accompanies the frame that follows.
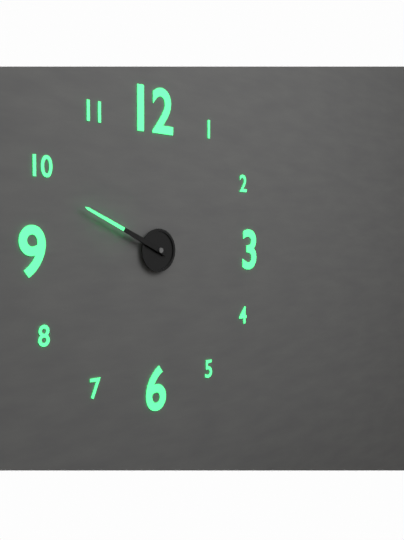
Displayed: 9h49
